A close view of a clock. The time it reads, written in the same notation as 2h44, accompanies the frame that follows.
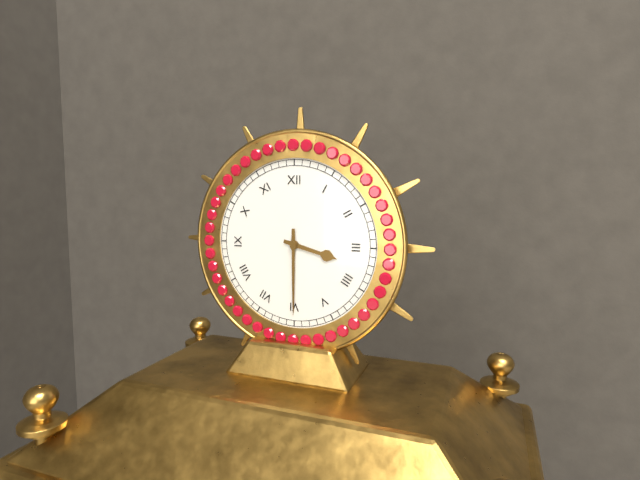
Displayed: 3h30
